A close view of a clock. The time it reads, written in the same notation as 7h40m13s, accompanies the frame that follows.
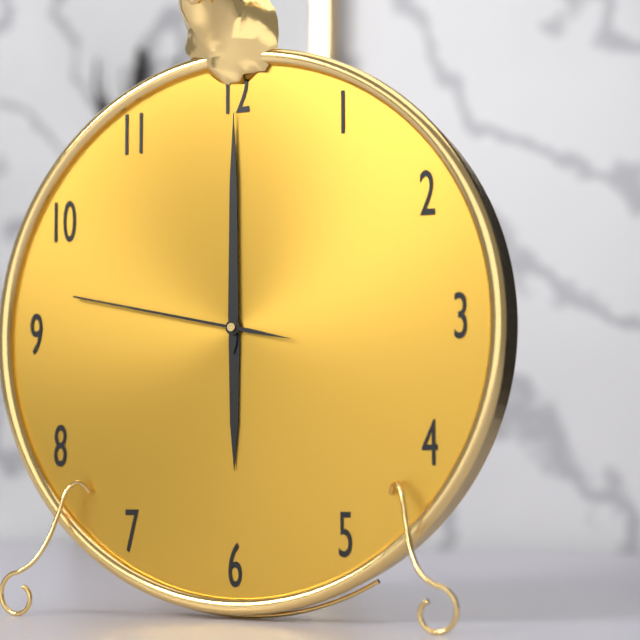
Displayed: 6h00m47s
